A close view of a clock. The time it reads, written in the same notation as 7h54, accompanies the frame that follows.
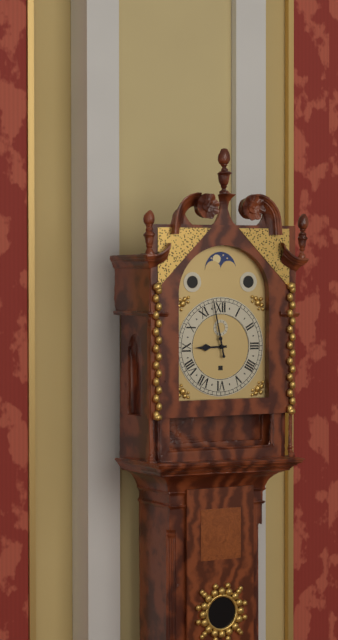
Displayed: 8h58
